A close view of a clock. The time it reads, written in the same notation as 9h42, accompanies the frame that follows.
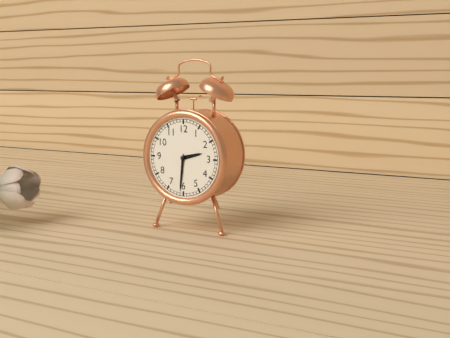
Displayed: 2h31
